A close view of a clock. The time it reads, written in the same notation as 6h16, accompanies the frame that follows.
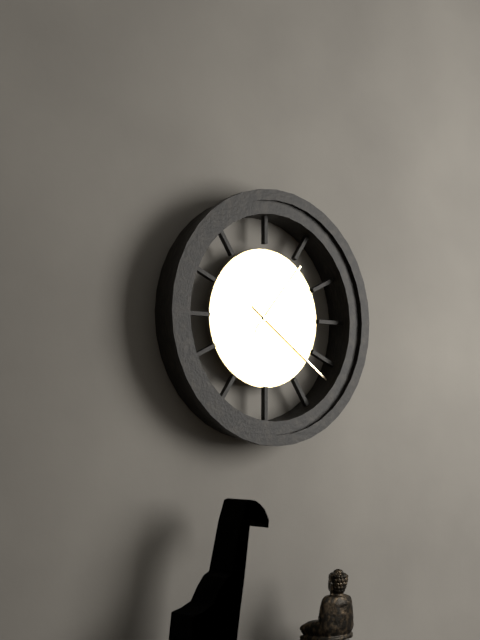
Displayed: 1h21
